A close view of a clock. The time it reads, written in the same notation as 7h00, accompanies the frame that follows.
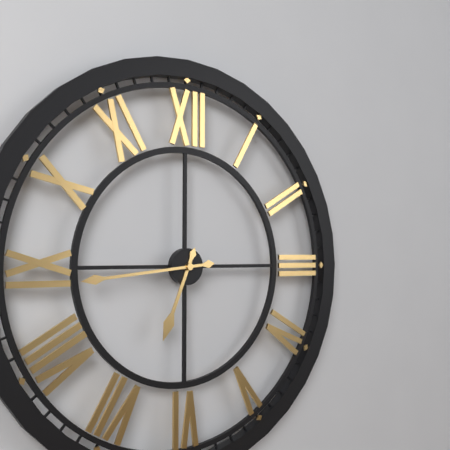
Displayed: 6h44
